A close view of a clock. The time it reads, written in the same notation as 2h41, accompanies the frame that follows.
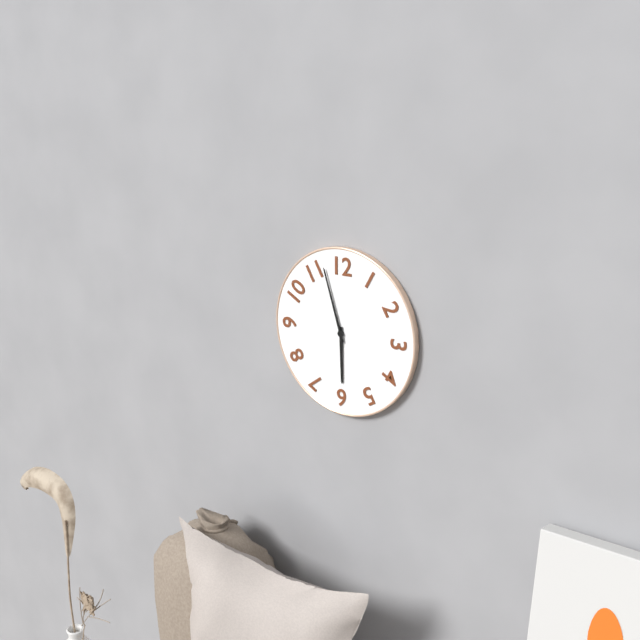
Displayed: 5h57
